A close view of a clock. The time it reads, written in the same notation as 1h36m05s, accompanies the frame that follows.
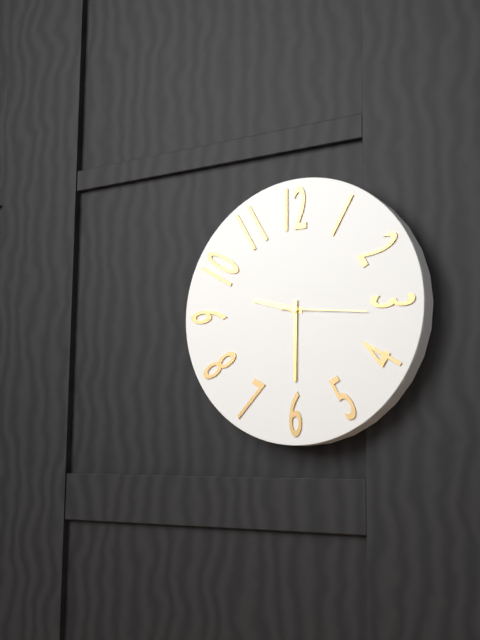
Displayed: 9h30m16s
